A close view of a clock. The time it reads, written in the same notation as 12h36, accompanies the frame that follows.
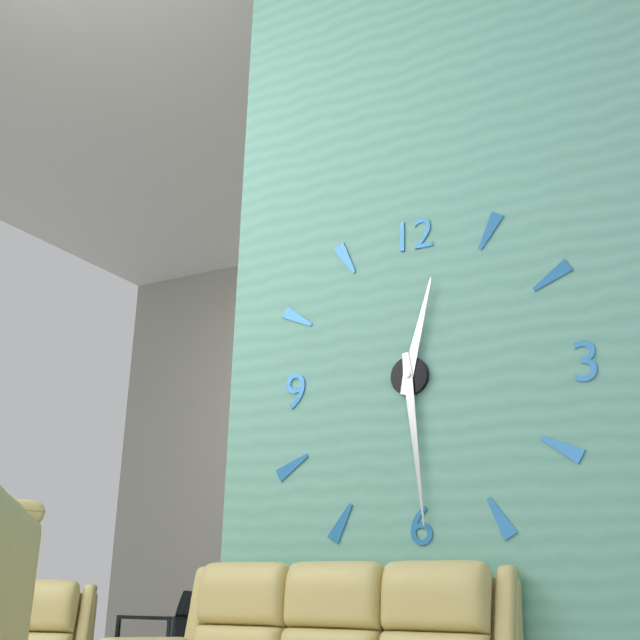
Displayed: 12h29
